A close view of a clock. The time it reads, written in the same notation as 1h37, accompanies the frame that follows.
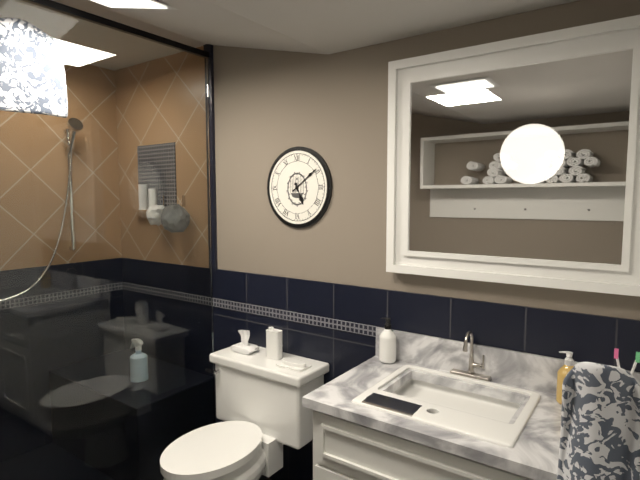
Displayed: 5h09
